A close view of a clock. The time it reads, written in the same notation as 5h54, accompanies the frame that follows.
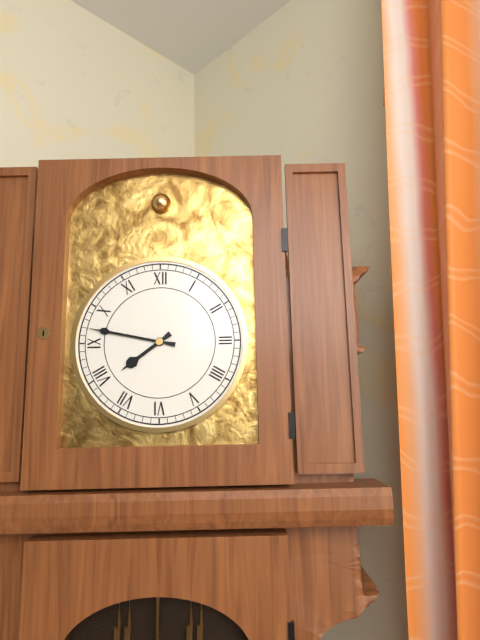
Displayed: 7h47
